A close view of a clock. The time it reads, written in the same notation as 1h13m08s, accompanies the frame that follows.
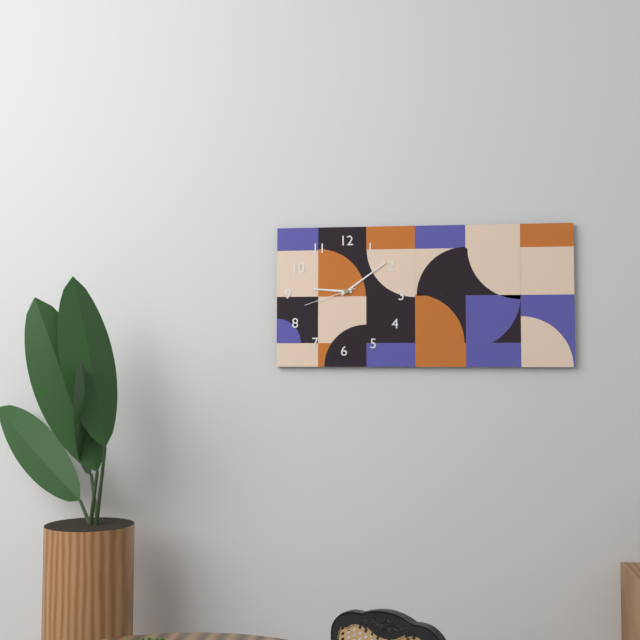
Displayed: 9h09m42s
